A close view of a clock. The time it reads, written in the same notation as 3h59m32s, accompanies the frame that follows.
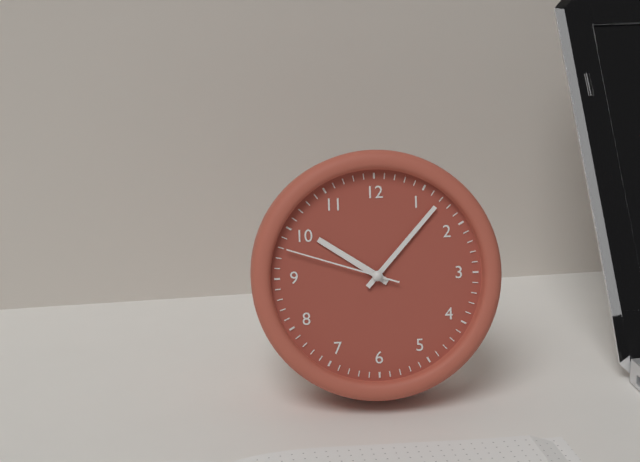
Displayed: 10h07m48s
